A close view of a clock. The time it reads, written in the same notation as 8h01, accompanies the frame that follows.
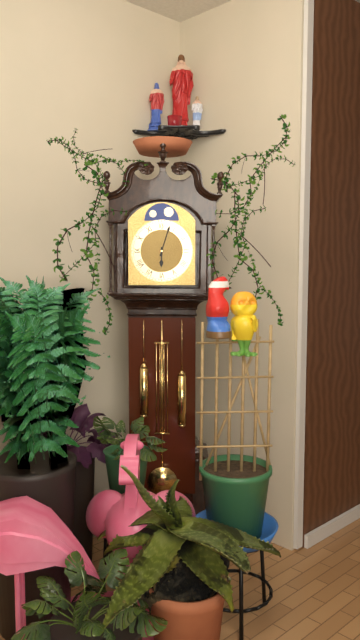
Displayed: 6h03
